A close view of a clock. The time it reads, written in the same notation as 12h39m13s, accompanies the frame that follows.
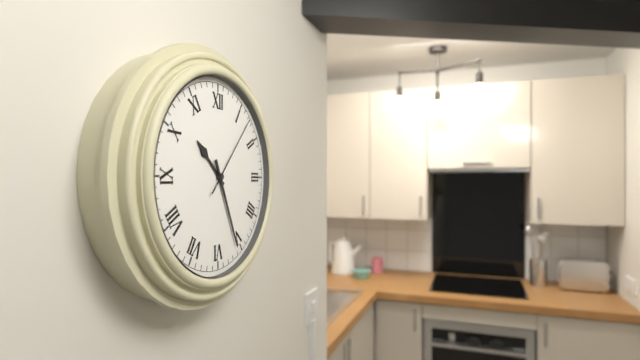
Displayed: 10h26m07s
